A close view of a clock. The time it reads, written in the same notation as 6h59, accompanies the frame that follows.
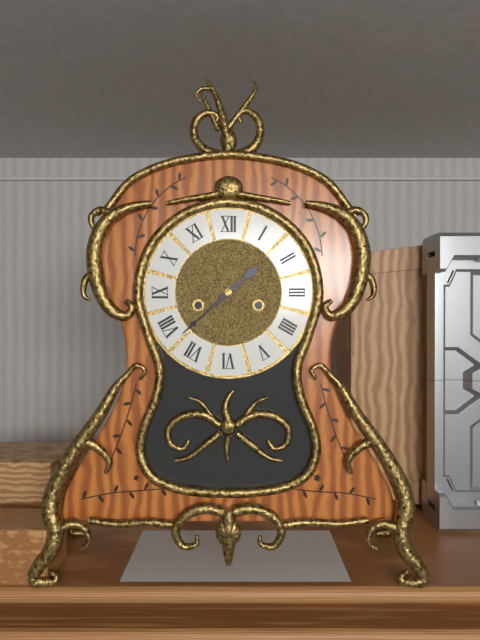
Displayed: 1h38
